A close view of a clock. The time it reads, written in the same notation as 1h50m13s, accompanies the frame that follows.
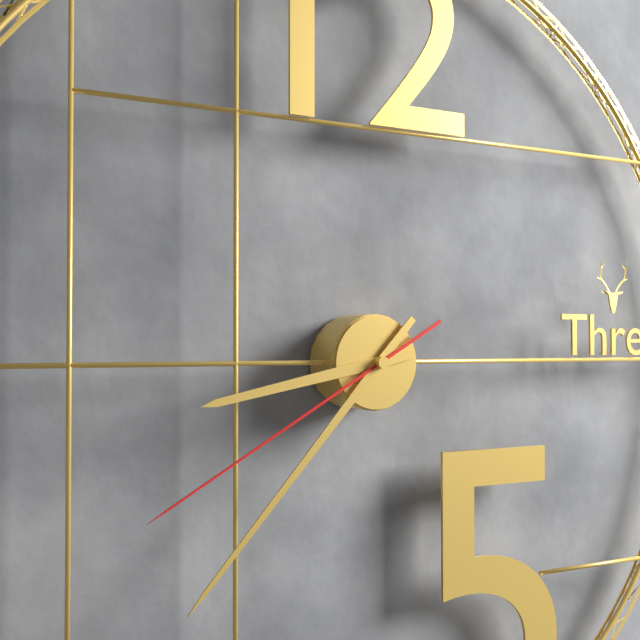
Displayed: 8h37m40s
